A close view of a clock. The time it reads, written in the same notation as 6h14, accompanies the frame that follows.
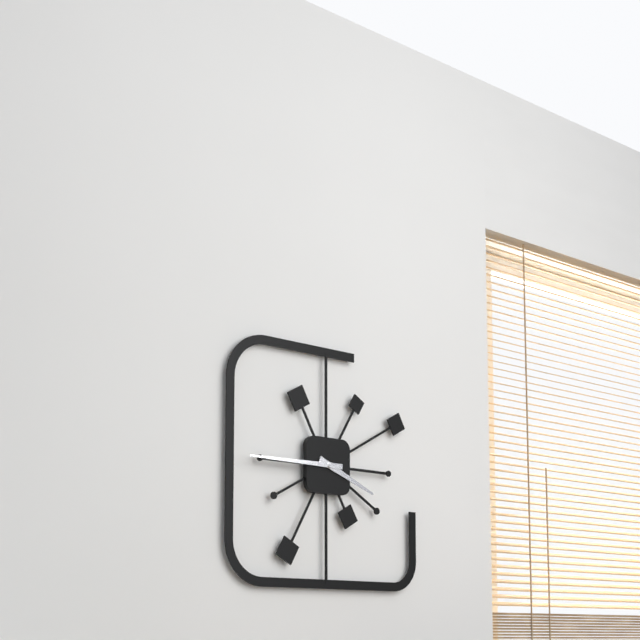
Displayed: 3h45
